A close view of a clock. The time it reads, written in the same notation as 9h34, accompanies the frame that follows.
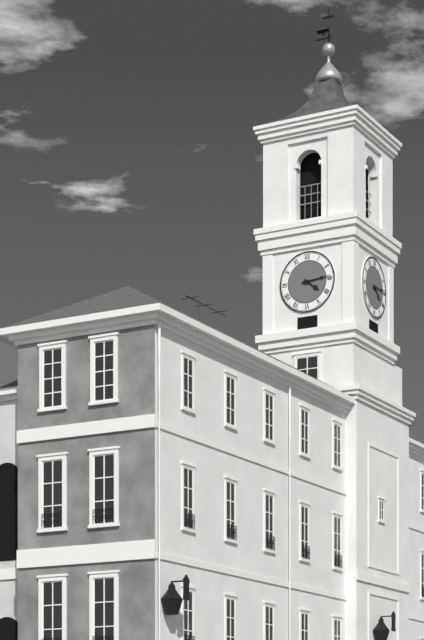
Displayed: 4h14
